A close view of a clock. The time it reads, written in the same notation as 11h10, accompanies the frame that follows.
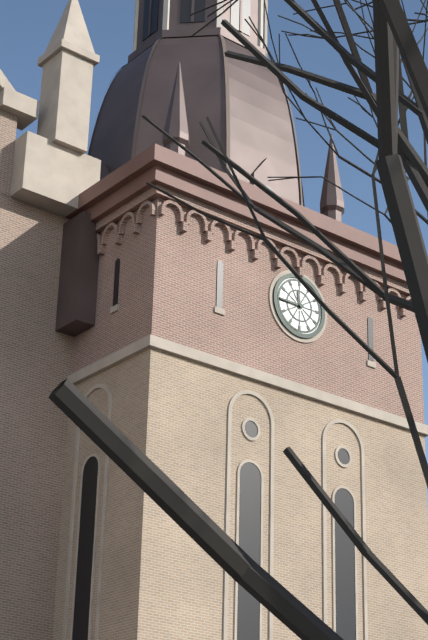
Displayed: 11h45
